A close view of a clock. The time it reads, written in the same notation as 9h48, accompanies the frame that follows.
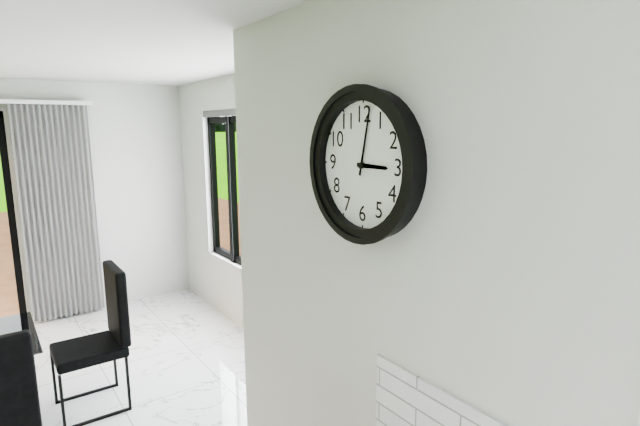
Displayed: 3h02
